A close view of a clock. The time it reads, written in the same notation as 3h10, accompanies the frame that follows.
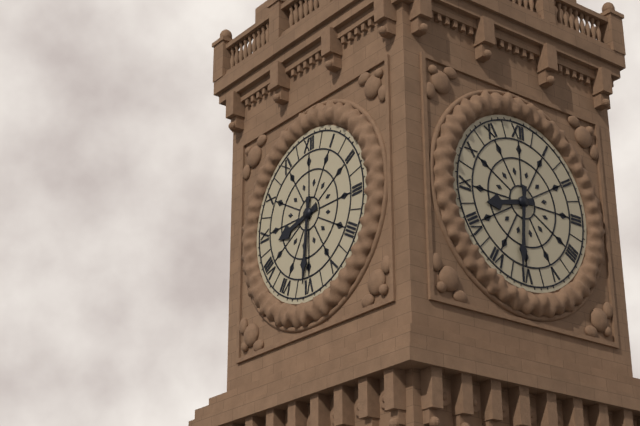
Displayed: 8h31
